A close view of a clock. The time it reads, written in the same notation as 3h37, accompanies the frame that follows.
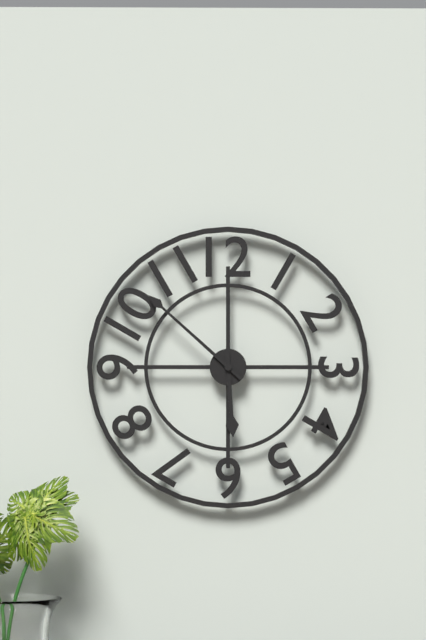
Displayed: 5h52
